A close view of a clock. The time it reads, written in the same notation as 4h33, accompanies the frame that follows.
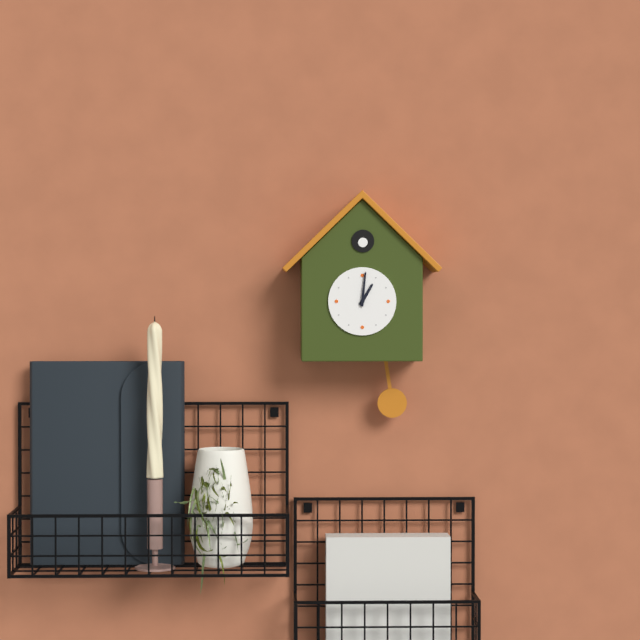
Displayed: 1h01
